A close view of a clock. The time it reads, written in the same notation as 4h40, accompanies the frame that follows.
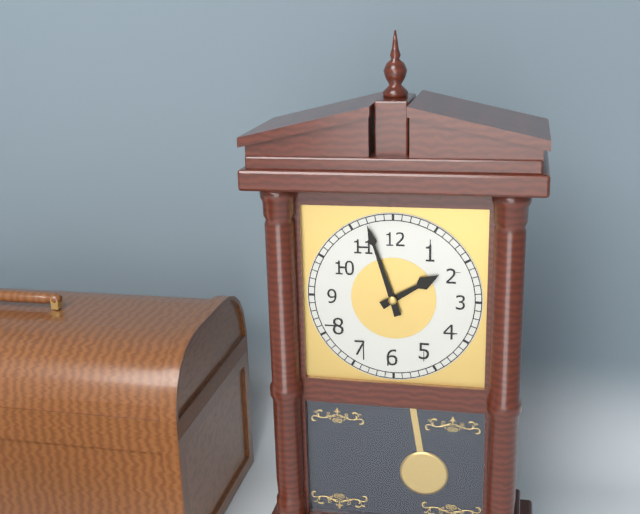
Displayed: 1h57
